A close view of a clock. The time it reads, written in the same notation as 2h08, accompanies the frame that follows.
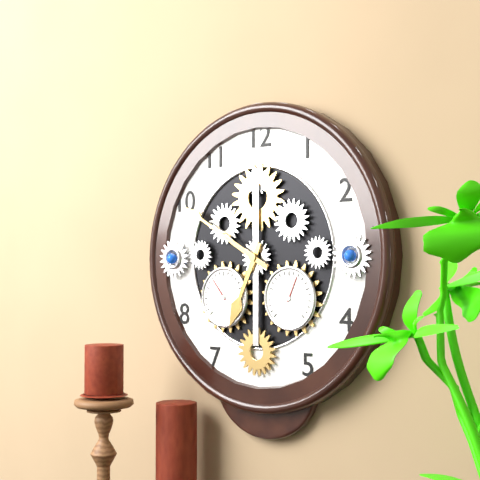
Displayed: 6h50
